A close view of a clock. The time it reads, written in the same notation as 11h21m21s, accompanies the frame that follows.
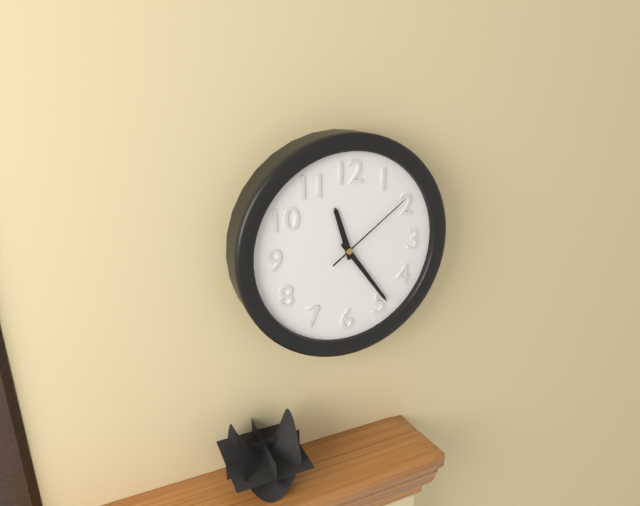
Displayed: 11h24m09s
